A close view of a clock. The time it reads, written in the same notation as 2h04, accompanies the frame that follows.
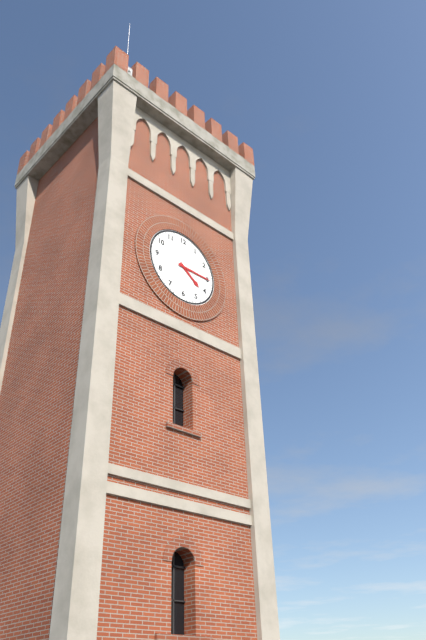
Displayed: 4h15
